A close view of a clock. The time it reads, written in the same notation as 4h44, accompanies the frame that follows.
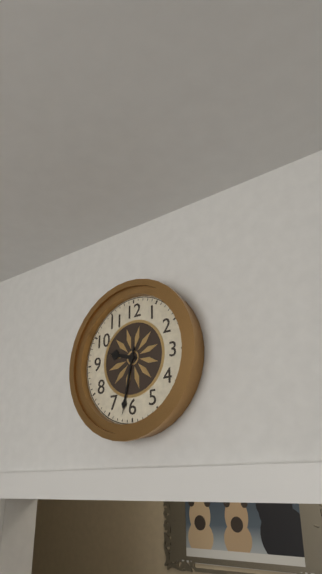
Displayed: 9h32
